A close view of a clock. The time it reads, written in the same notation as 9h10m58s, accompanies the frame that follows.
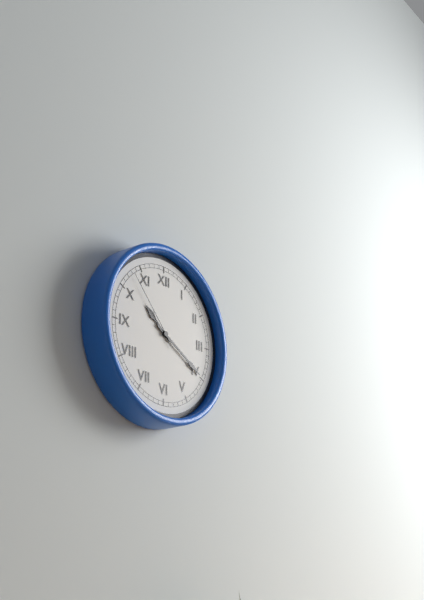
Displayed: 10h20m53s
